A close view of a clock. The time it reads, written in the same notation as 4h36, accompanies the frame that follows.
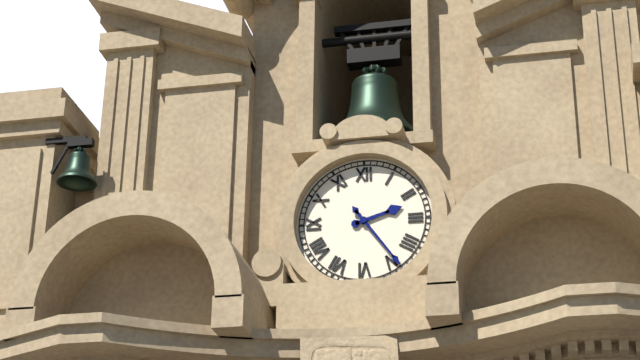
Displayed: 2h24
